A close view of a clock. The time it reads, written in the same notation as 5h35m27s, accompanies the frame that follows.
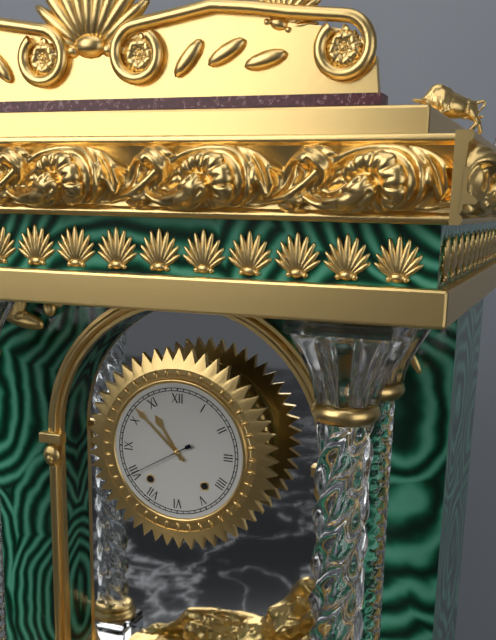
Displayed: 10h52m40s
